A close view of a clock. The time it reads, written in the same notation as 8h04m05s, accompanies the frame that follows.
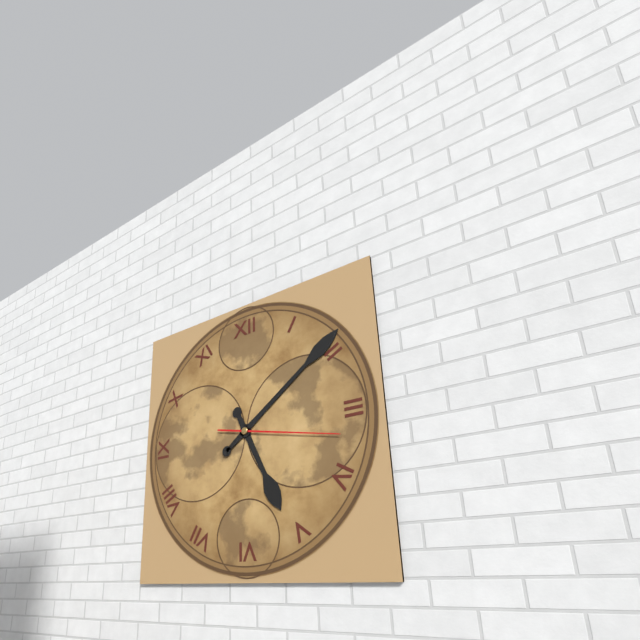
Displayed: 5h09m17s
